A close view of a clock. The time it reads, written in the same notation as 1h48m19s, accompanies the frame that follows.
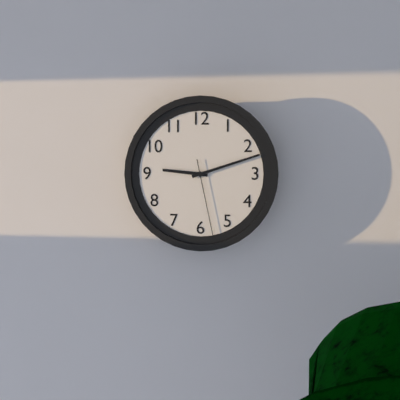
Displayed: 9h12m28s
